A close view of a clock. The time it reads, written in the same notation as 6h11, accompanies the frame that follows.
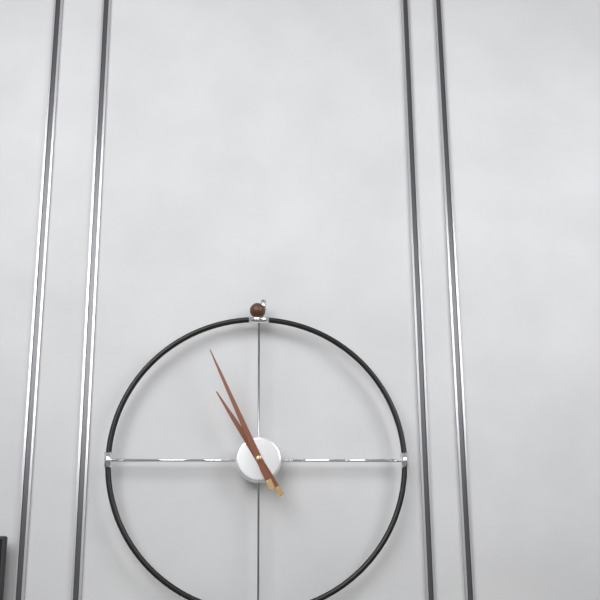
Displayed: 10h56
